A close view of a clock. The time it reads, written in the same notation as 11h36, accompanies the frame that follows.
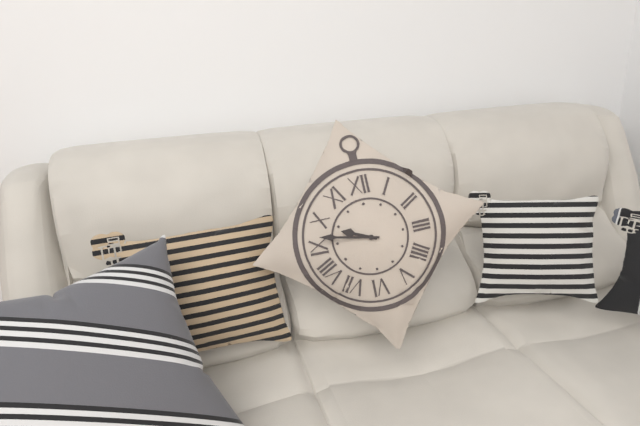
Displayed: 9h47
